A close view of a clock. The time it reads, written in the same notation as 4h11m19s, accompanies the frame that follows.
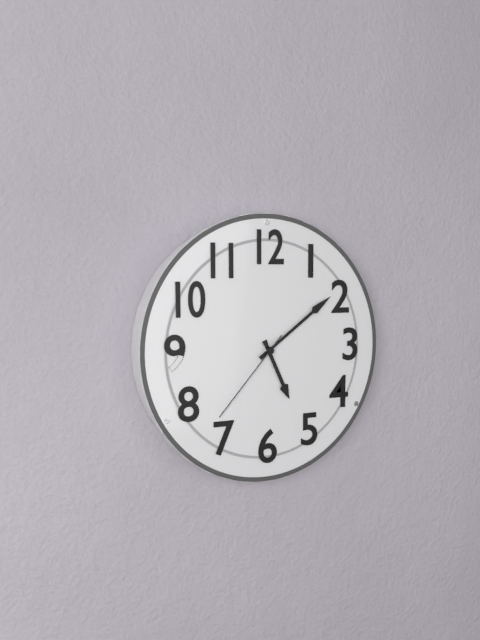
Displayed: 5h09m37s
